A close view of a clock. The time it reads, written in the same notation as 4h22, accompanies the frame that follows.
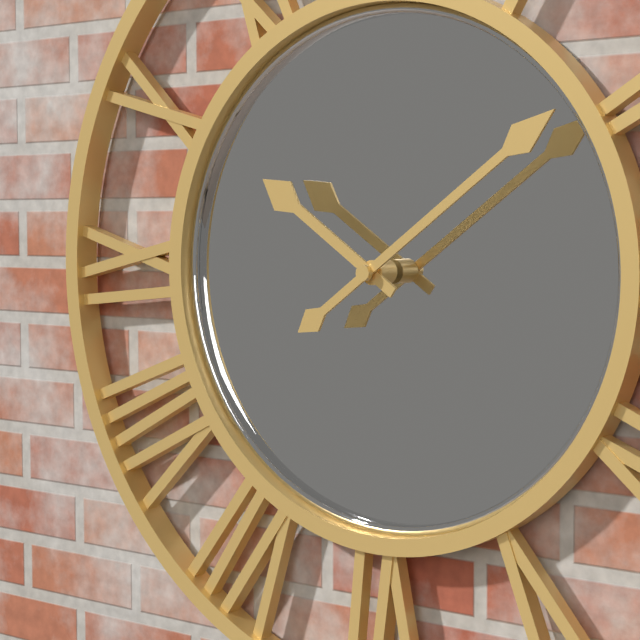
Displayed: 10h09
